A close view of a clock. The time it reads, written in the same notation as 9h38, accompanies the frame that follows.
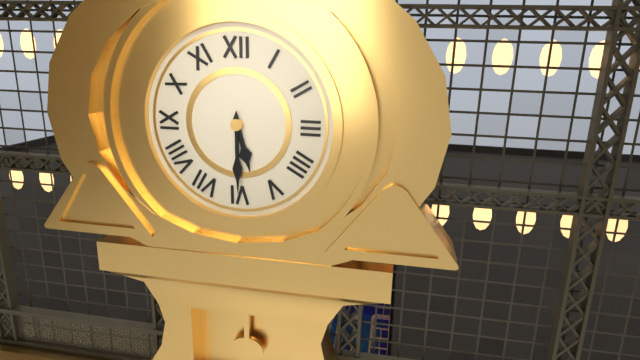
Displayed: 5h30
